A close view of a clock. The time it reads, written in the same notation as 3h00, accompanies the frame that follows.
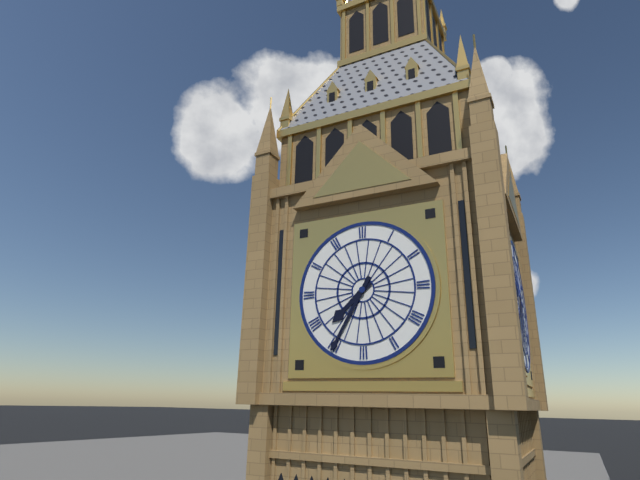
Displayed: 7h35
